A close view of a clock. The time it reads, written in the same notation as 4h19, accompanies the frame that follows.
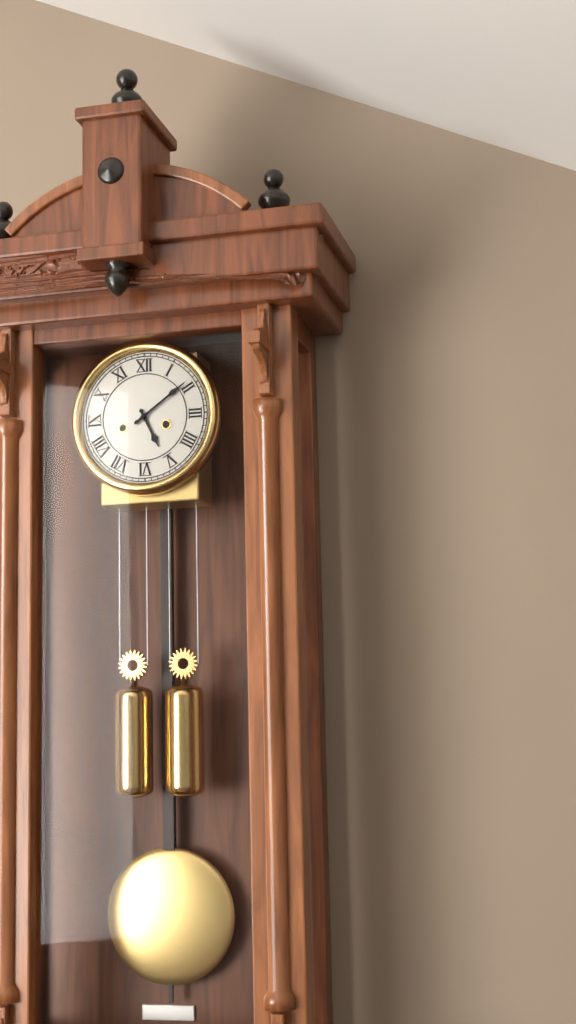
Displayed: 5h09
